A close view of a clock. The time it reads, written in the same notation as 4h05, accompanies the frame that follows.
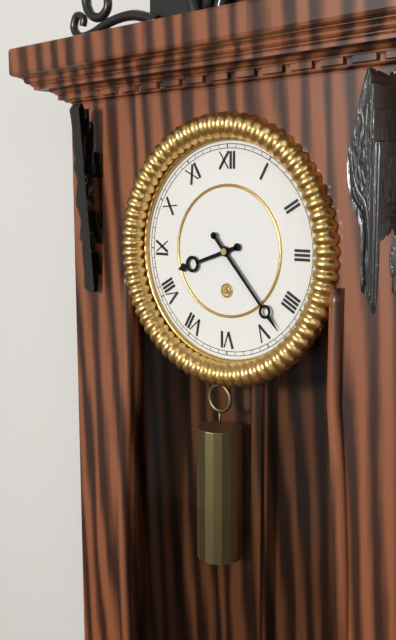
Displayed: 8h23
